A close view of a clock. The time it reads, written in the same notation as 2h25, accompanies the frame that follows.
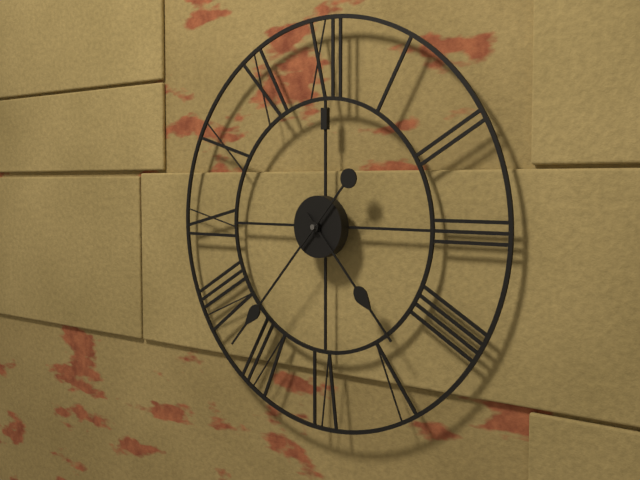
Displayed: 4h37
